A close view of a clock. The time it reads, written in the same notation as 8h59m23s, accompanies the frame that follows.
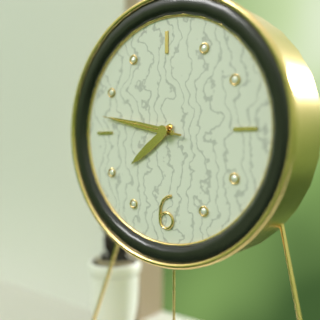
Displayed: 7h47m47s
